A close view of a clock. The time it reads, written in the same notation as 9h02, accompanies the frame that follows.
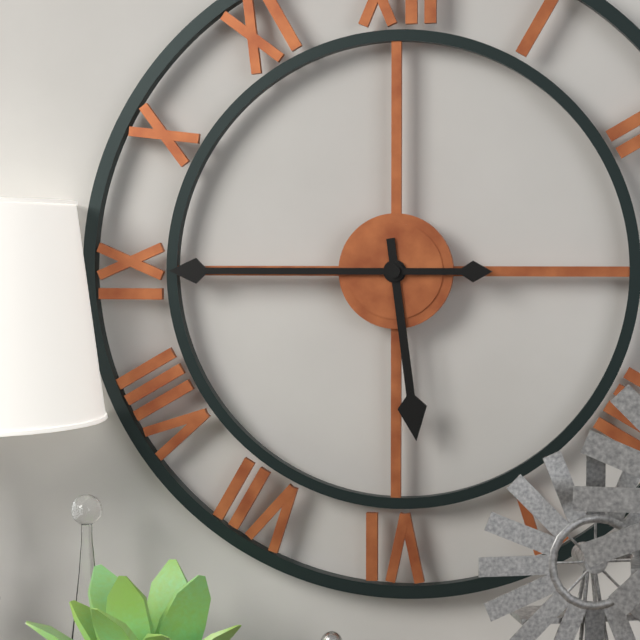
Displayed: 5h45
